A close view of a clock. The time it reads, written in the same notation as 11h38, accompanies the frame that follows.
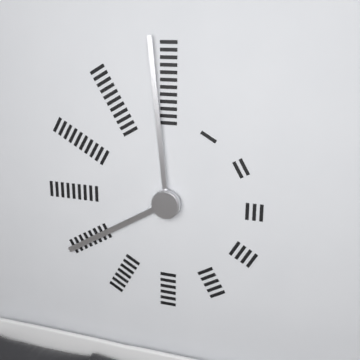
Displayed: 7h59
